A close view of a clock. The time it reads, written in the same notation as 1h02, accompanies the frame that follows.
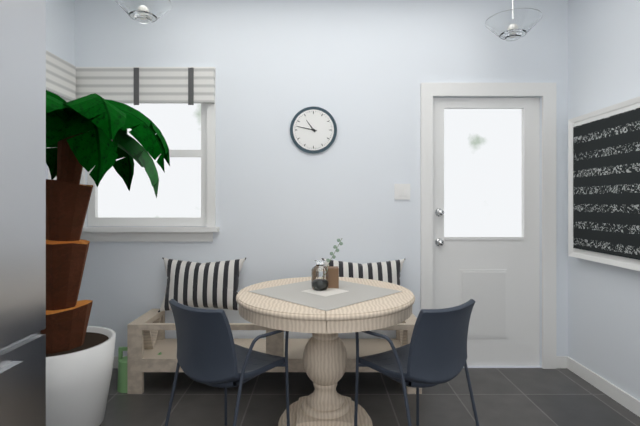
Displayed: 10h47
